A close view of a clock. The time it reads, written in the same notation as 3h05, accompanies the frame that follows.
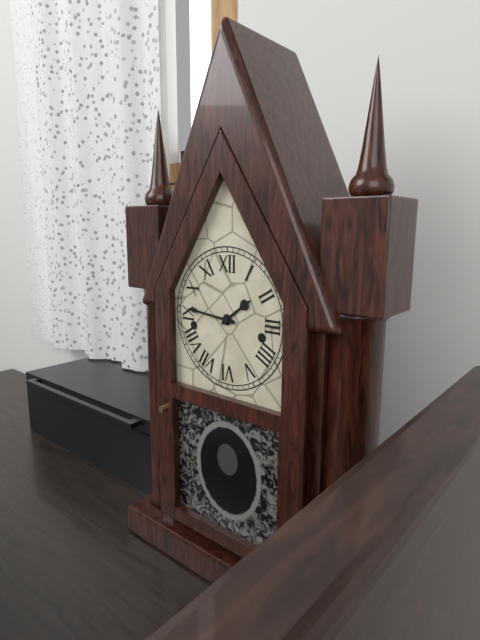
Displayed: 1h46
